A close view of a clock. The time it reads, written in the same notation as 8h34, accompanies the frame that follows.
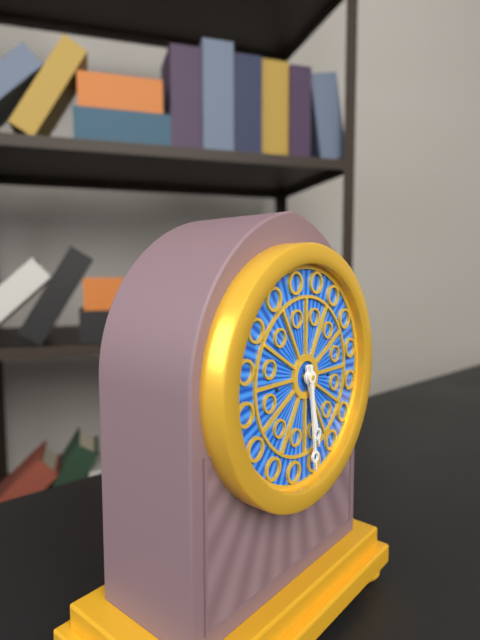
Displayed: 5h29
